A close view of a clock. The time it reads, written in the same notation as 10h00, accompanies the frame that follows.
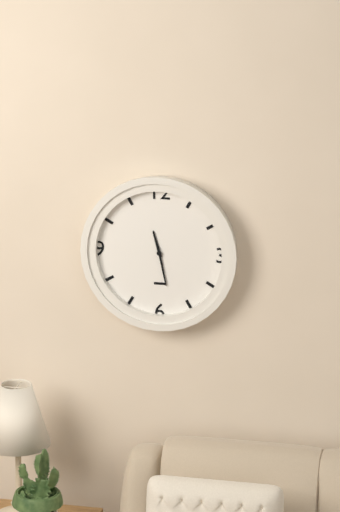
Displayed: 11h28
